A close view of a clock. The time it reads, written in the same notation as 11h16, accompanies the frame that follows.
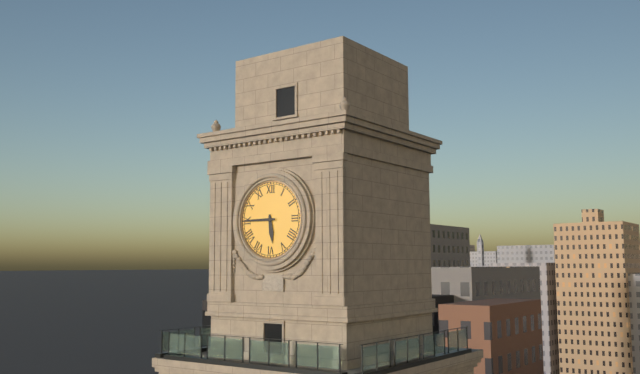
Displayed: 5h45
